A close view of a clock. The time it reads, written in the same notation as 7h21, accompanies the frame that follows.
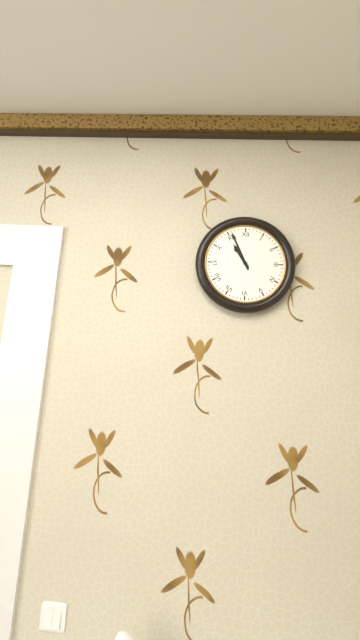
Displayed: 10h56
